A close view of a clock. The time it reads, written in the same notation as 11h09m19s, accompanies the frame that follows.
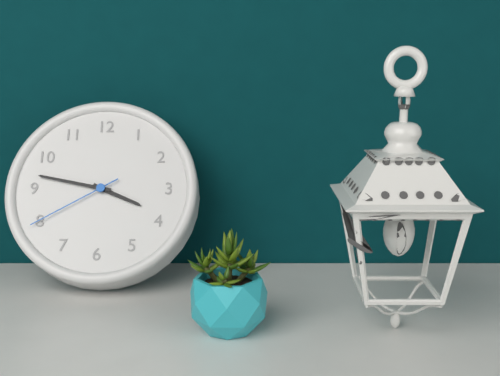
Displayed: 3h47m40s
